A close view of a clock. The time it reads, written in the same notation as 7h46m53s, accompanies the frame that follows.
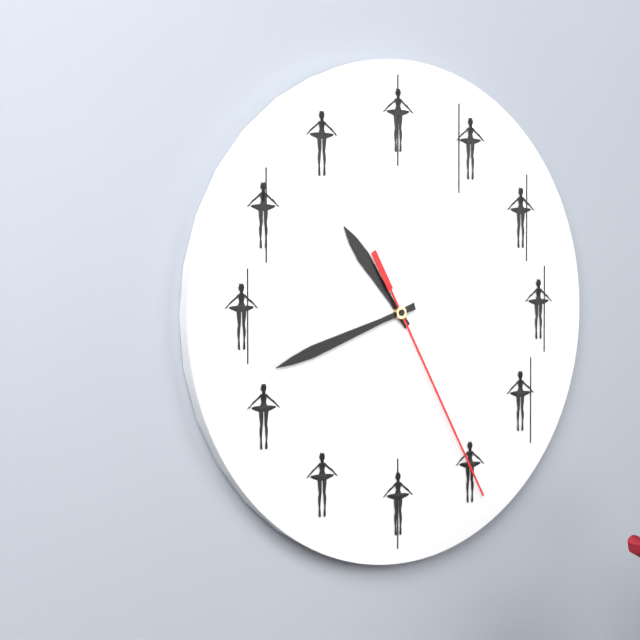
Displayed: 10h42m25s
